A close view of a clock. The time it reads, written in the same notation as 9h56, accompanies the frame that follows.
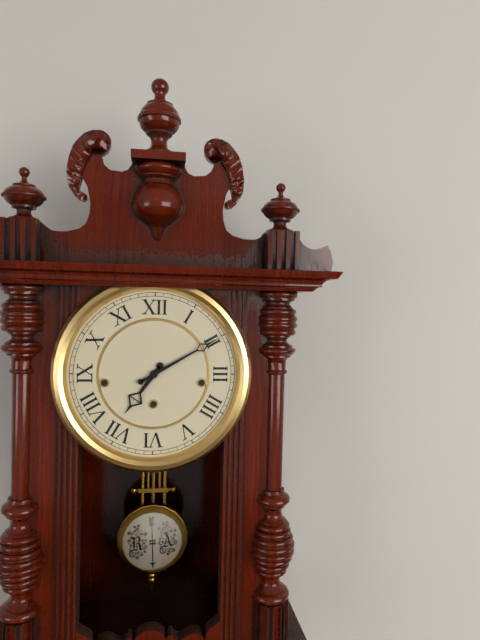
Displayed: 7h10
